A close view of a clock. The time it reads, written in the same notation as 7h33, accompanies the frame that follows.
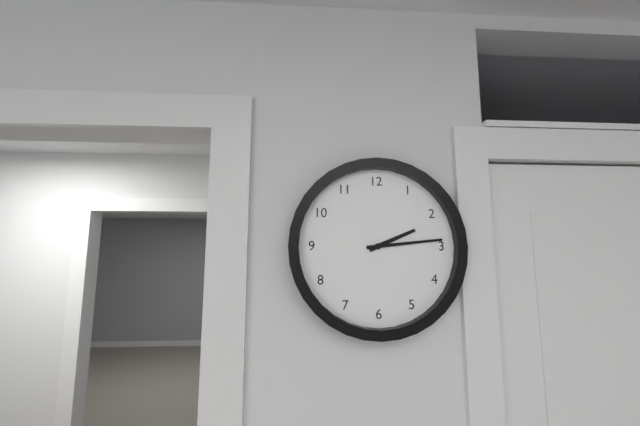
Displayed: 2h14
